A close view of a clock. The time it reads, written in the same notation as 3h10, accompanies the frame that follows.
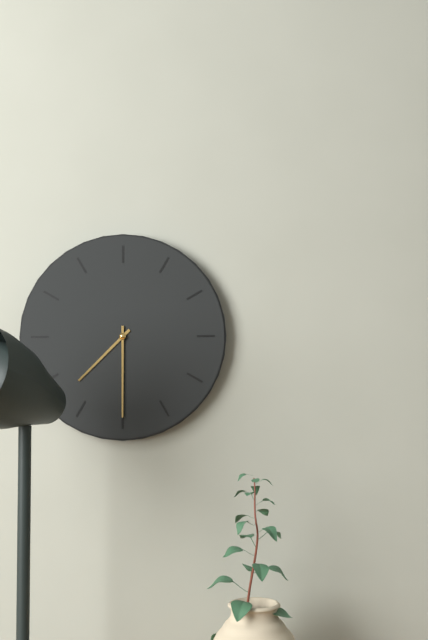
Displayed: 7h30
